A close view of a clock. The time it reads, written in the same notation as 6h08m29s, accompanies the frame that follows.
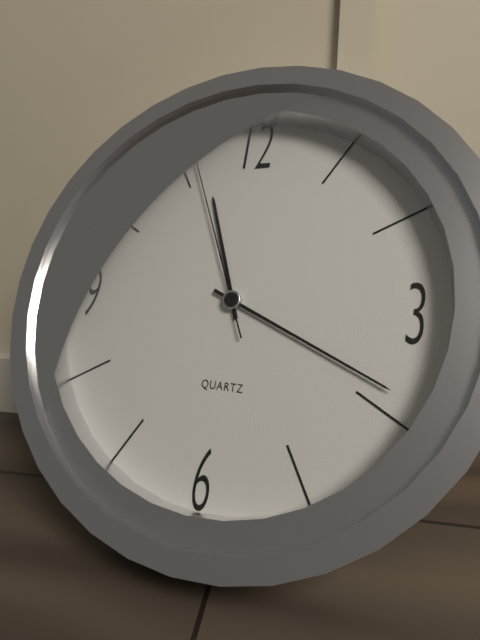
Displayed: 11h19m56s
